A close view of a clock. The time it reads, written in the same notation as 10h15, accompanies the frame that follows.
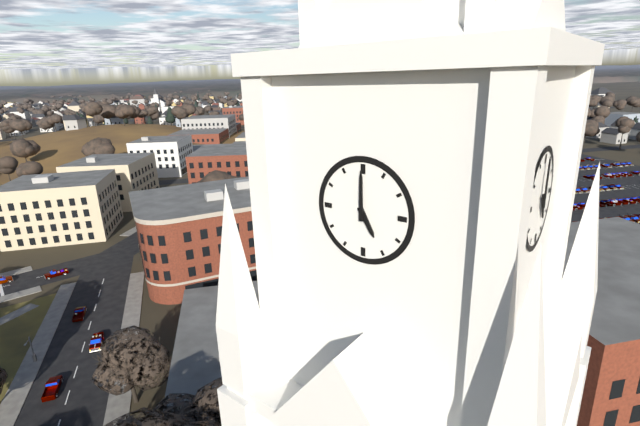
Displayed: 5h00
